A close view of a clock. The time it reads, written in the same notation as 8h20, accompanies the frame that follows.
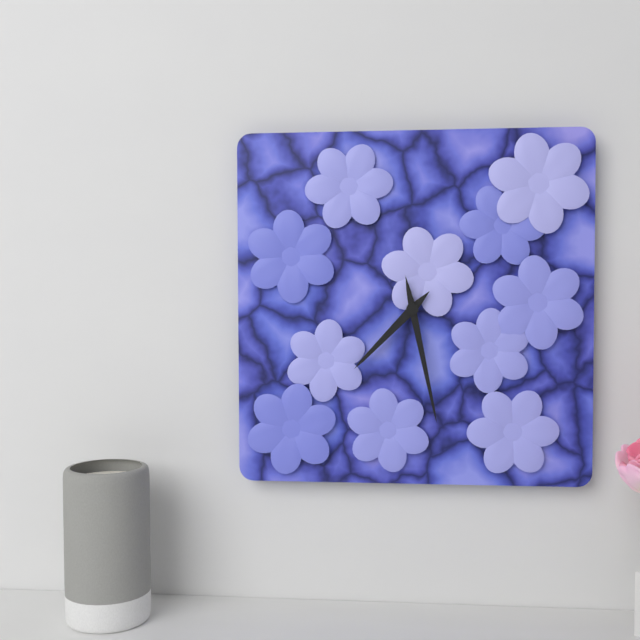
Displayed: 7h28
